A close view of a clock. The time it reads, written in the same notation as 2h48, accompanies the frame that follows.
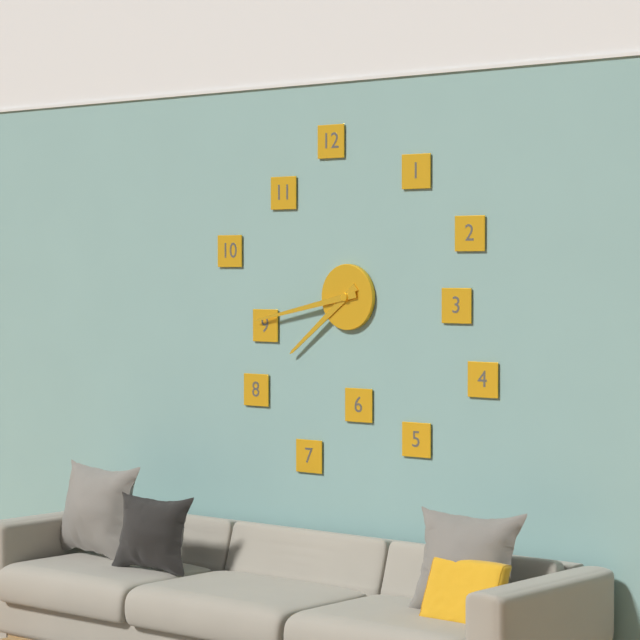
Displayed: 7h43
